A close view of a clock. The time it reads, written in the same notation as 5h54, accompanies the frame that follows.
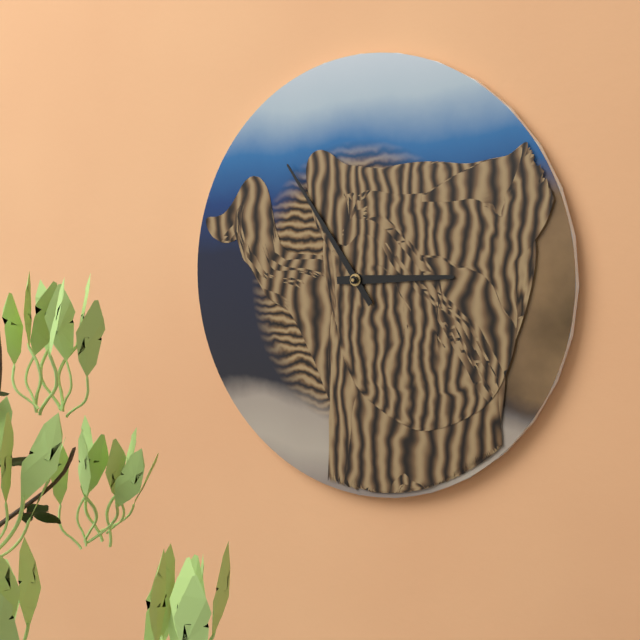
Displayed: 2h54
